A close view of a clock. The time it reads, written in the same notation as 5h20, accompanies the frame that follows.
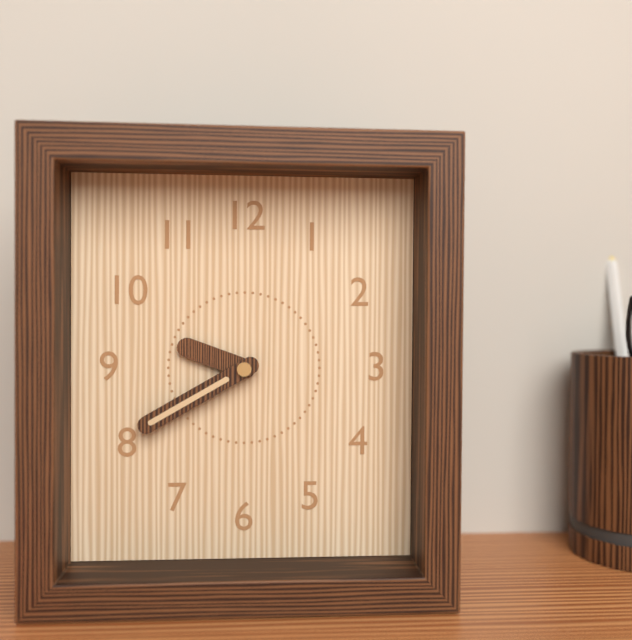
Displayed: 9h40
